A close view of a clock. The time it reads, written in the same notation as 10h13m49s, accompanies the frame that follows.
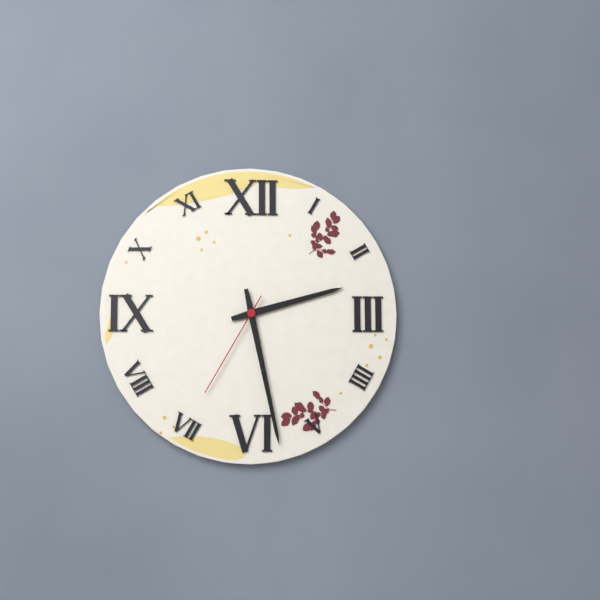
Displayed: 2h28m35s
